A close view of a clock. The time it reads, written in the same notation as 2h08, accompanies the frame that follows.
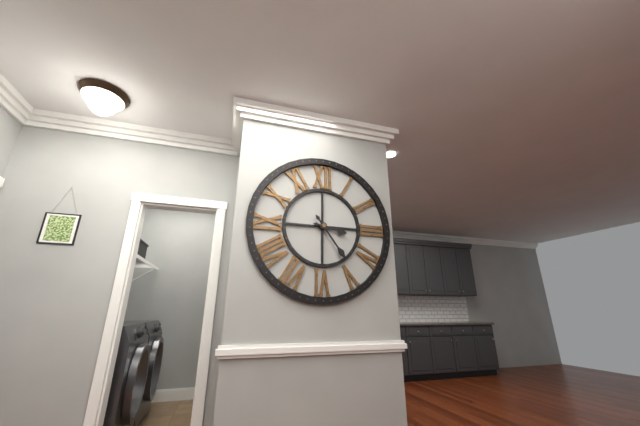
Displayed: 3h24
